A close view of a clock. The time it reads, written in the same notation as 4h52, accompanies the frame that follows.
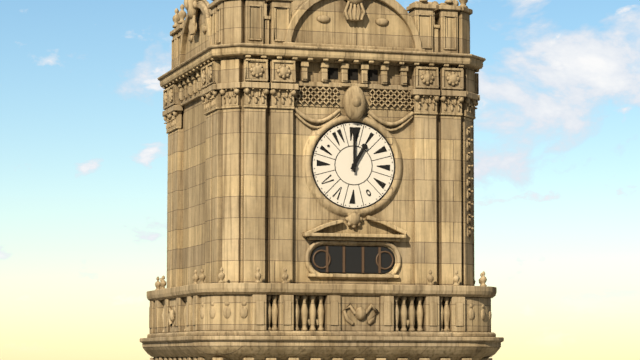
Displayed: 1h00
